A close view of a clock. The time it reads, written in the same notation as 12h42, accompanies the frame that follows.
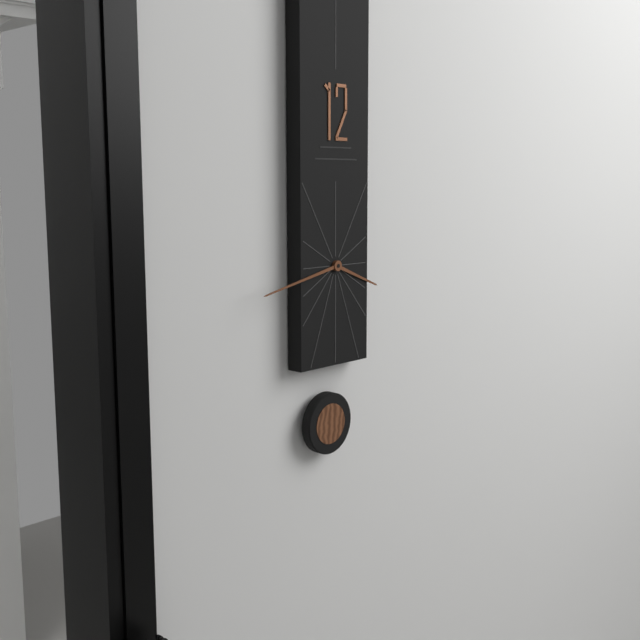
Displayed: 3h43
